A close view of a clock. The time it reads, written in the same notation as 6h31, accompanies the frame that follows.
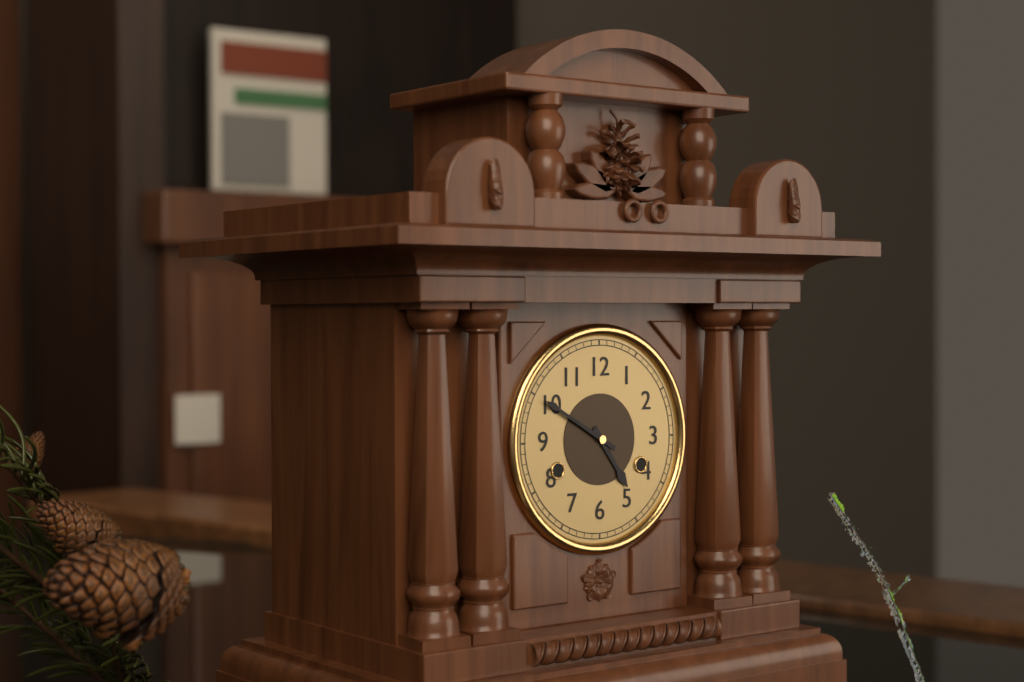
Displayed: 4h50
